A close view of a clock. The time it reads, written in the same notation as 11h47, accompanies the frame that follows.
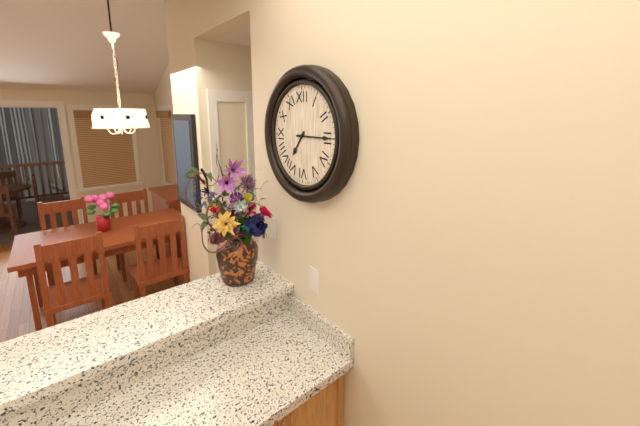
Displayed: 7h15
